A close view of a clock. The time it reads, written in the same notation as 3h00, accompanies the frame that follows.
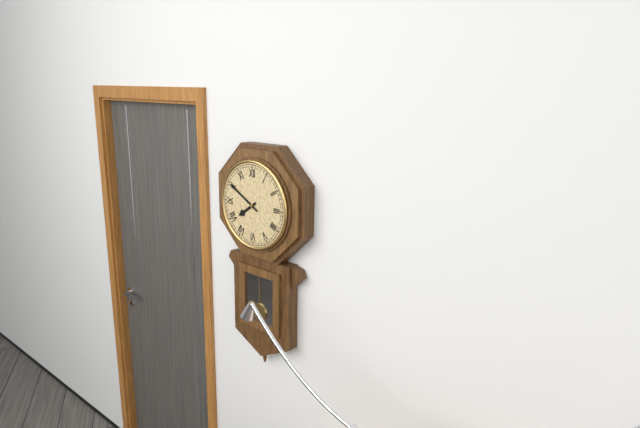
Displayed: 7h50
